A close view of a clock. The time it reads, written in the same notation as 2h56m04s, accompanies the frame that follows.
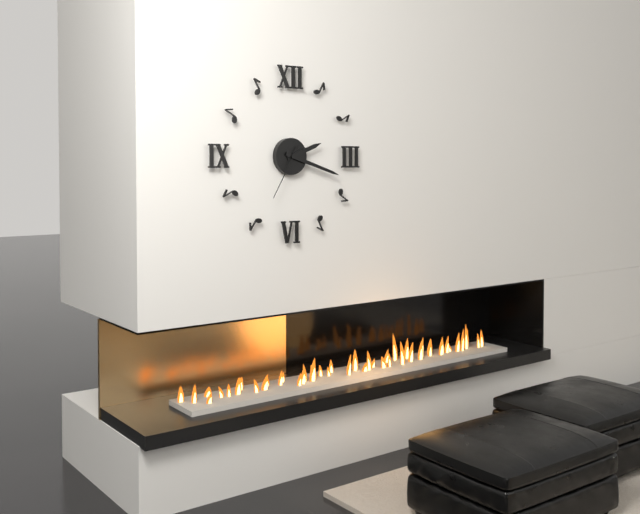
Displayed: 2h18m35s
